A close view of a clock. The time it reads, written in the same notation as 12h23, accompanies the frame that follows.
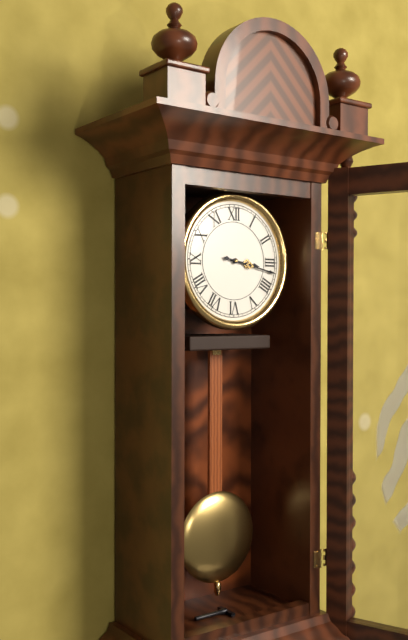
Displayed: 3h17
